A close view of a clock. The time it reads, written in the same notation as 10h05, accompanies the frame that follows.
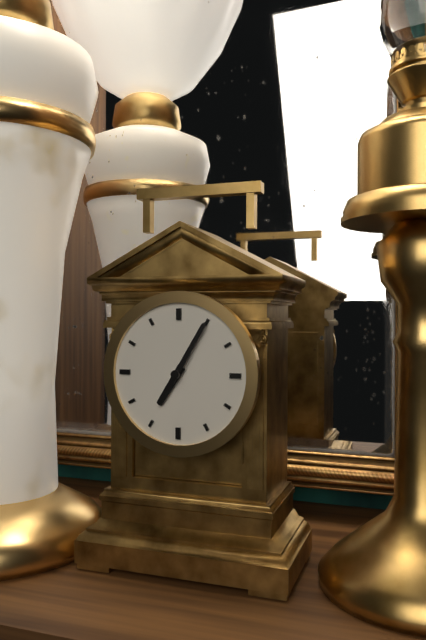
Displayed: 7h05
